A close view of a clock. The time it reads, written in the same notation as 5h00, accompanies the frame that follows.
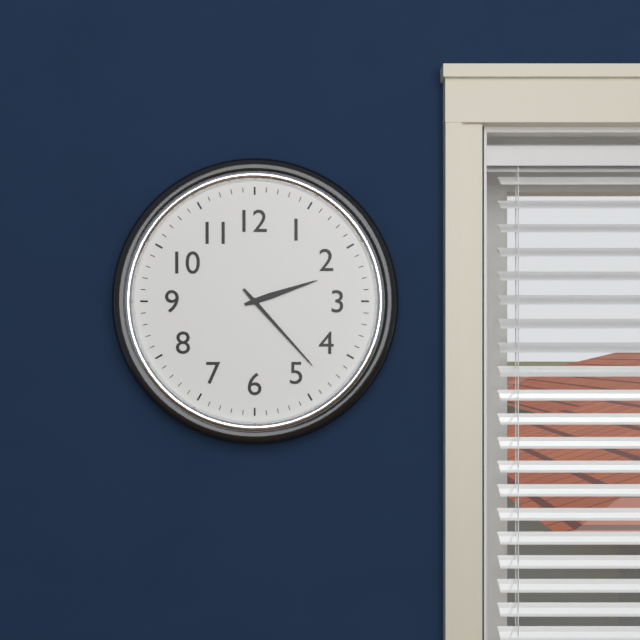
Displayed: 2h23
